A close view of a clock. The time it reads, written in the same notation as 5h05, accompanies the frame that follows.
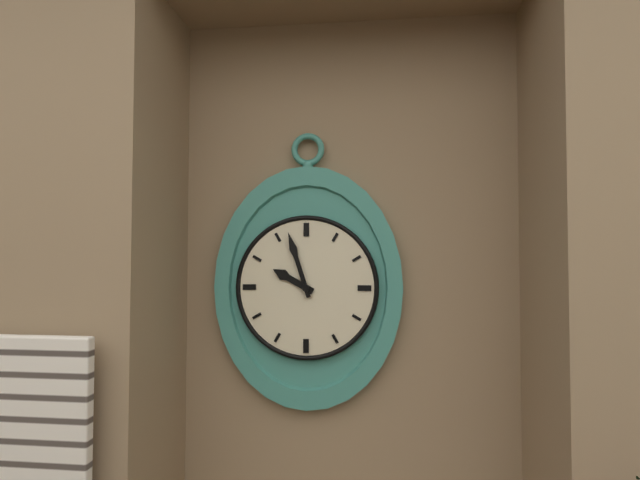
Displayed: 9h57
